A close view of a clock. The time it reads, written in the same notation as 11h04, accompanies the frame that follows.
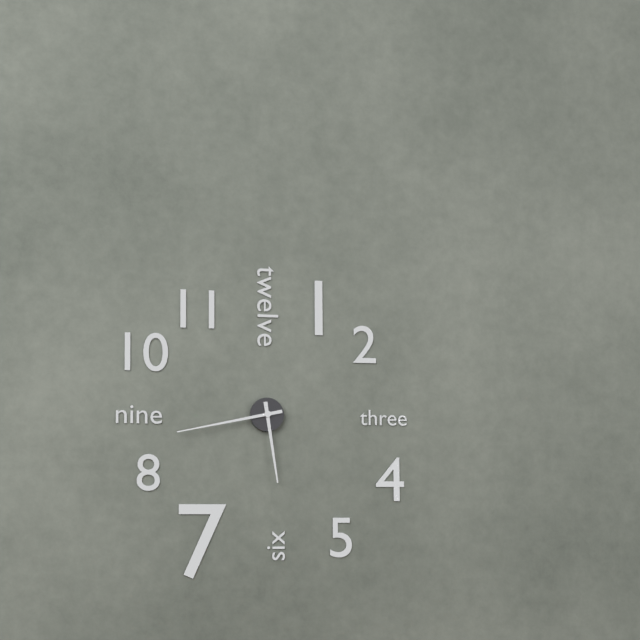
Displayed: 5h43
